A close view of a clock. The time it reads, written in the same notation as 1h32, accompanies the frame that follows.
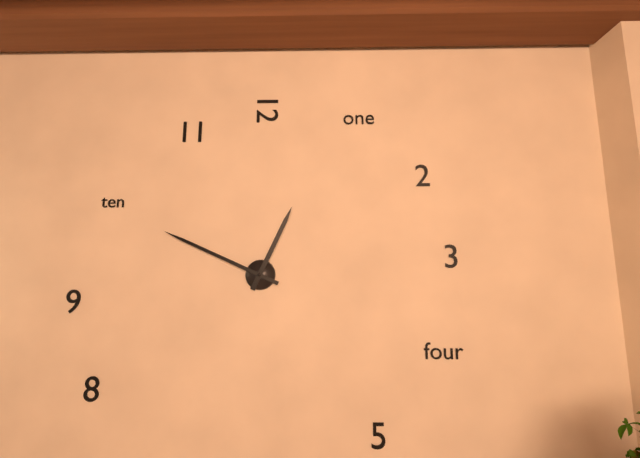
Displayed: 12h49
